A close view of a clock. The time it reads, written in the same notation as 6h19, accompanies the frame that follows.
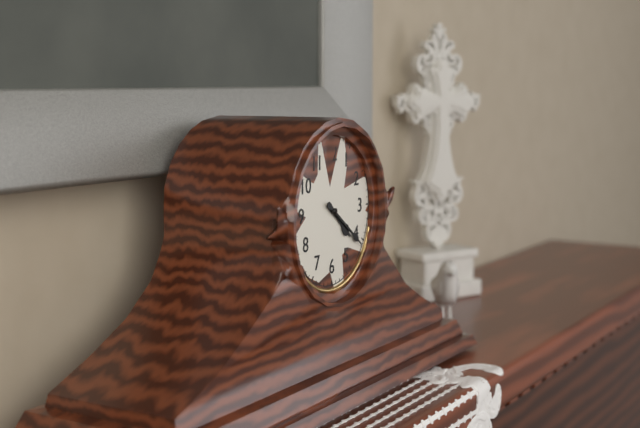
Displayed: 4h21
